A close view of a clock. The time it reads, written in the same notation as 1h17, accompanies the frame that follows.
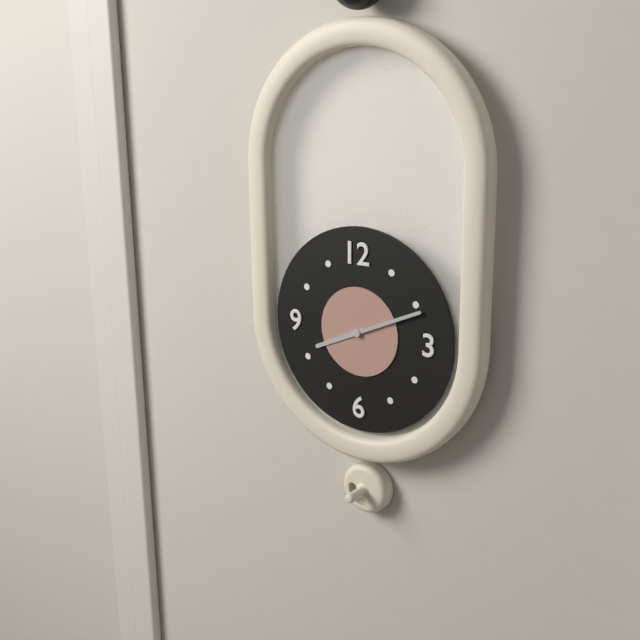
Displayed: 8h11
